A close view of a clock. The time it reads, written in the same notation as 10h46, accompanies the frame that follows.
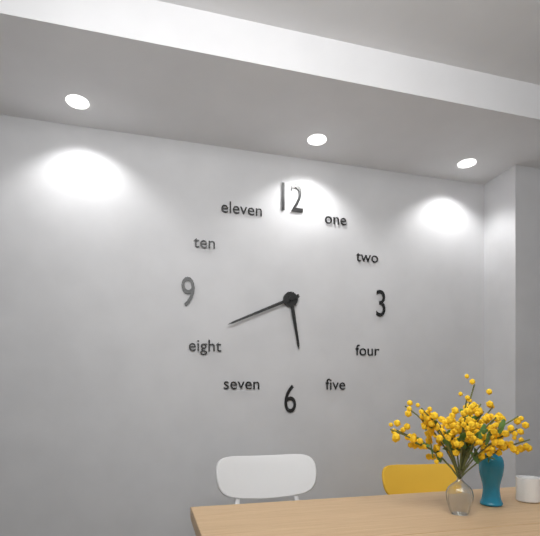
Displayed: 5h41
